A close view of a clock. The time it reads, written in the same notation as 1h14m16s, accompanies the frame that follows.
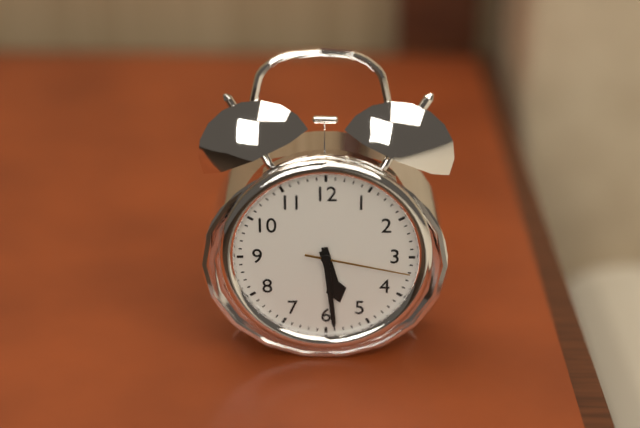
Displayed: 5h29m17s
